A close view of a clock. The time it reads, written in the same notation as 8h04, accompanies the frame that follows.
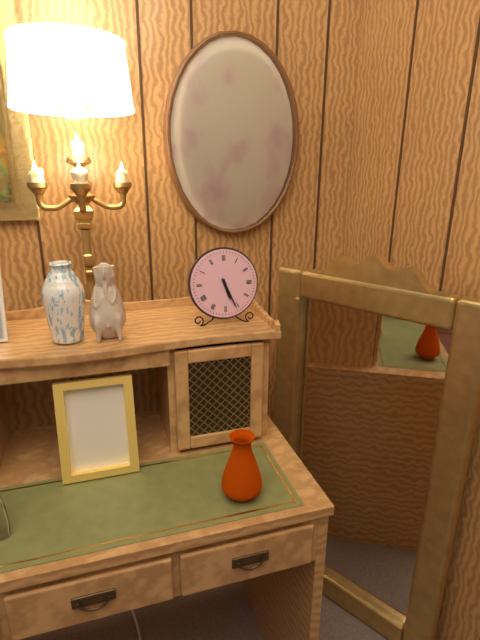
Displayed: 5h26
